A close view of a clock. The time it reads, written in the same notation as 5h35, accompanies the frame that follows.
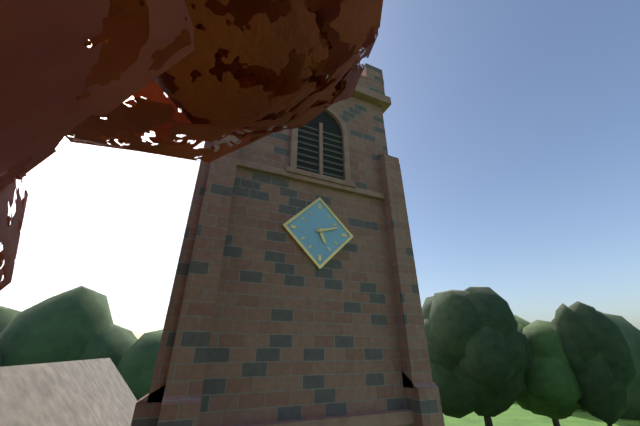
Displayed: 5h12
